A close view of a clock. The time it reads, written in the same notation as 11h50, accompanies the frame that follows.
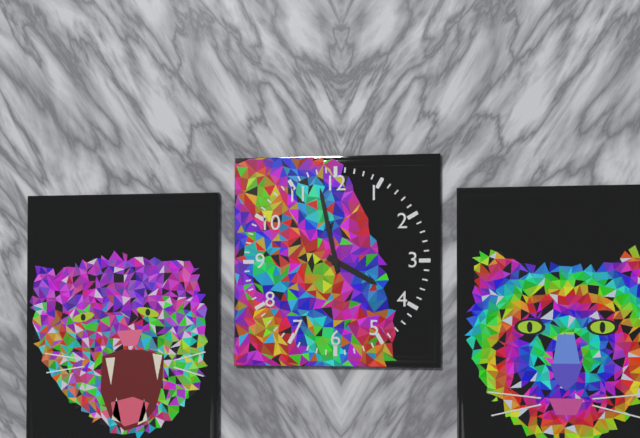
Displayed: 3h58
